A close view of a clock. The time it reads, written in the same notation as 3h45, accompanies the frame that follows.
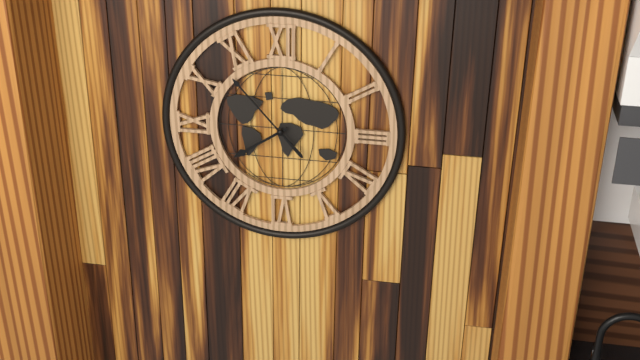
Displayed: 7h53
